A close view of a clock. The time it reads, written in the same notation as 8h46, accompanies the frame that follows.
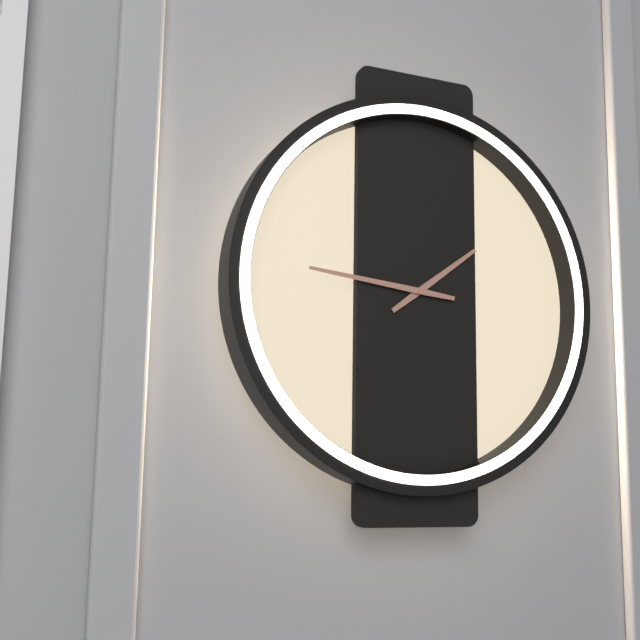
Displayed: 1h46
